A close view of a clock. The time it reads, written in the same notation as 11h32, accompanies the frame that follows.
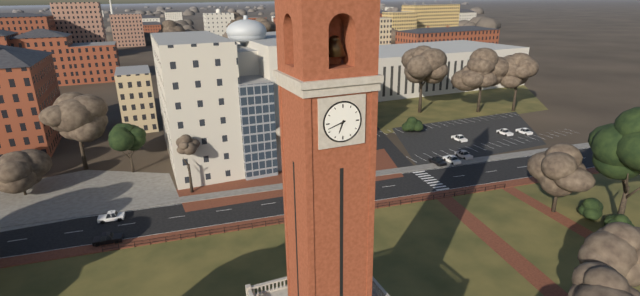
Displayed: 6h42
